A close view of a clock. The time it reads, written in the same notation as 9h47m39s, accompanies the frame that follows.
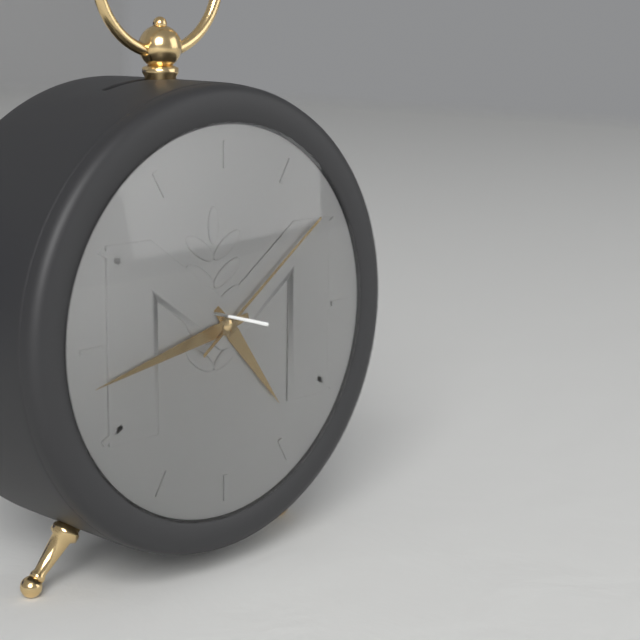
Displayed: 4h43m09s
